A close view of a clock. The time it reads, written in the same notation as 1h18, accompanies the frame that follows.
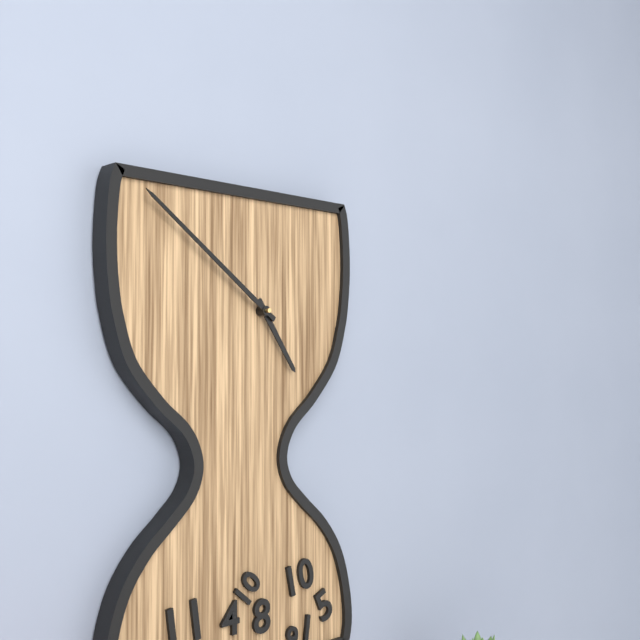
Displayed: 4h51
